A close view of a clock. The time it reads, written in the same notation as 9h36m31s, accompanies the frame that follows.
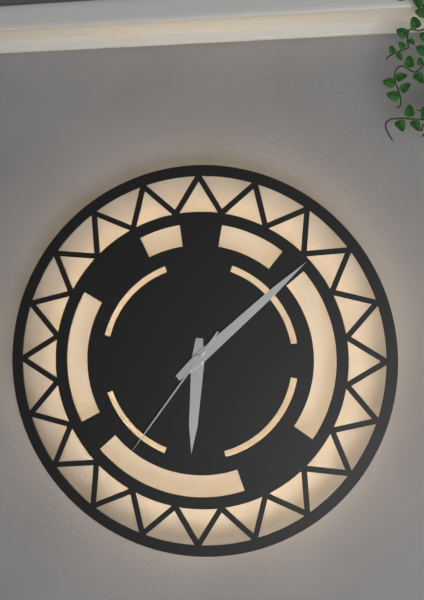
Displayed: 6h08m36s
